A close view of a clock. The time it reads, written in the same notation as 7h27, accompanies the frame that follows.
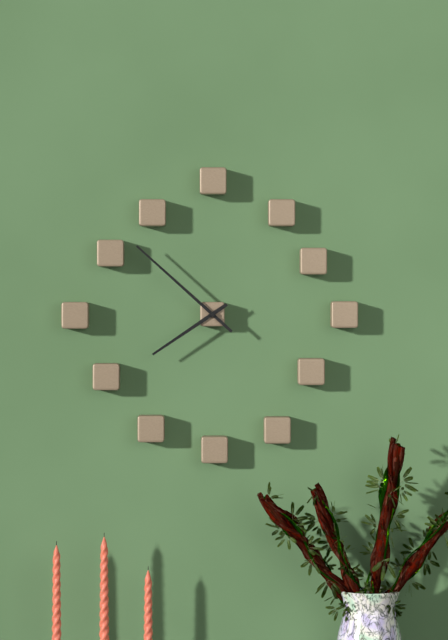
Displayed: 7h52
